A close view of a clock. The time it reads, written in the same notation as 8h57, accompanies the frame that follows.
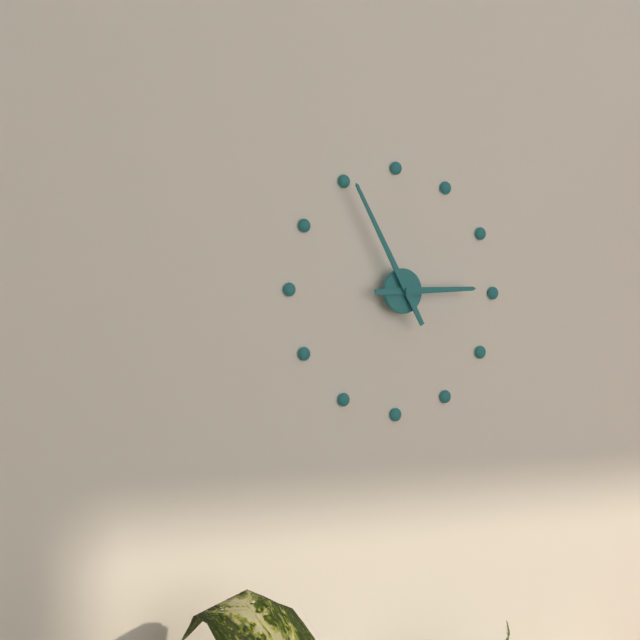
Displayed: 2h55
